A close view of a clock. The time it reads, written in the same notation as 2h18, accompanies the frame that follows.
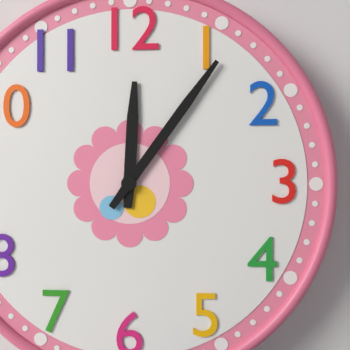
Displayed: 12h06
